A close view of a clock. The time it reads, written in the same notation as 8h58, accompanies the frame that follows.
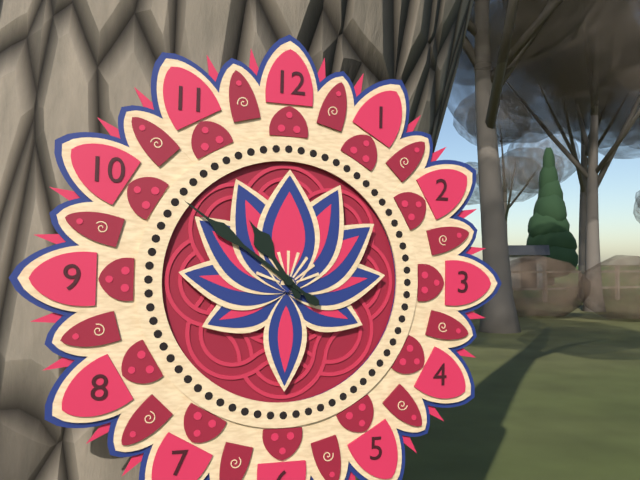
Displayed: 10h51
